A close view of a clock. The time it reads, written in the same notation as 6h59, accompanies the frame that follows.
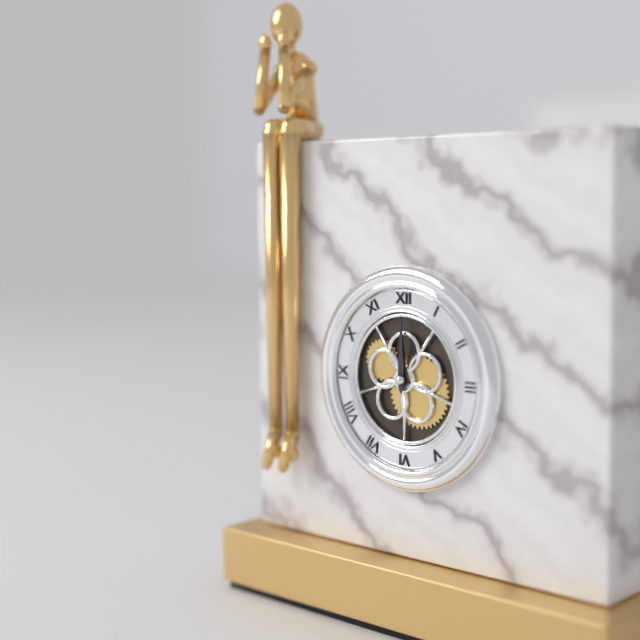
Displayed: 12h00
